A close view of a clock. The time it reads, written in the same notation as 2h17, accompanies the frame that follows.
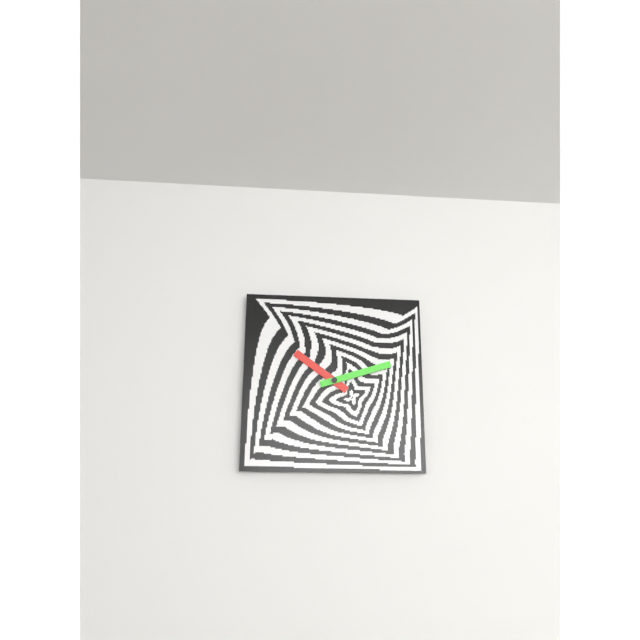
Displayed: 10h12
